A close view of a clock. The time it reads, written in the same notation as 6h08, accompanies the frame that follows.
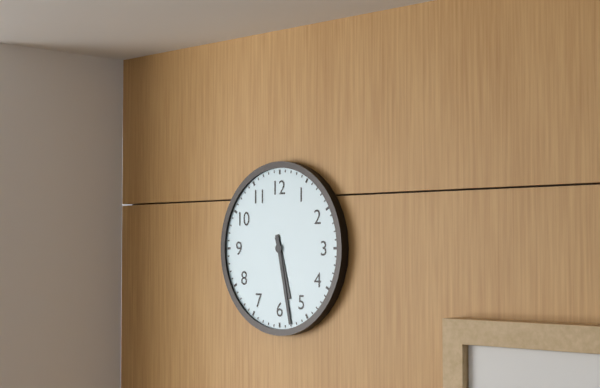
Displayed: 5h28
